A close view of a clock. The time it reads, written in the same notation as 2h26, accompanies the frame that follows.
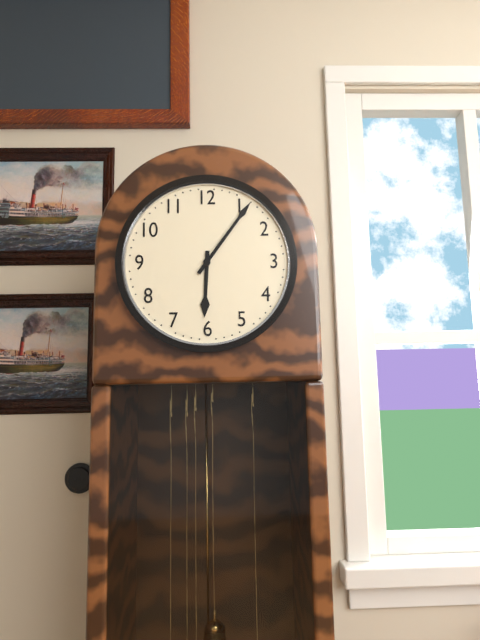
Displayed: 6h06
